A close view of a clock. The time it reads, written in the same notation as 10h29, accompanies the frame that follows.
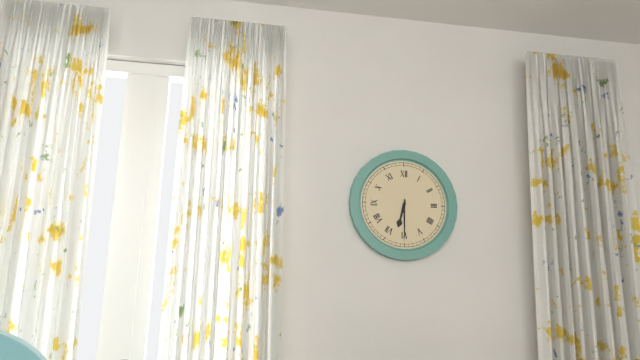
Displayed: 6h30
